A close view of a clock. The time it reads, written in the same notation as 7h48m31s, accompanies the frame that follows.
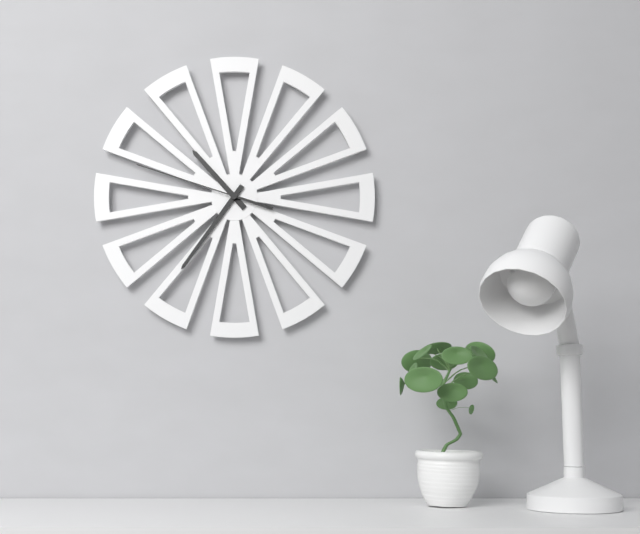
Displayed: 10h36m48s
